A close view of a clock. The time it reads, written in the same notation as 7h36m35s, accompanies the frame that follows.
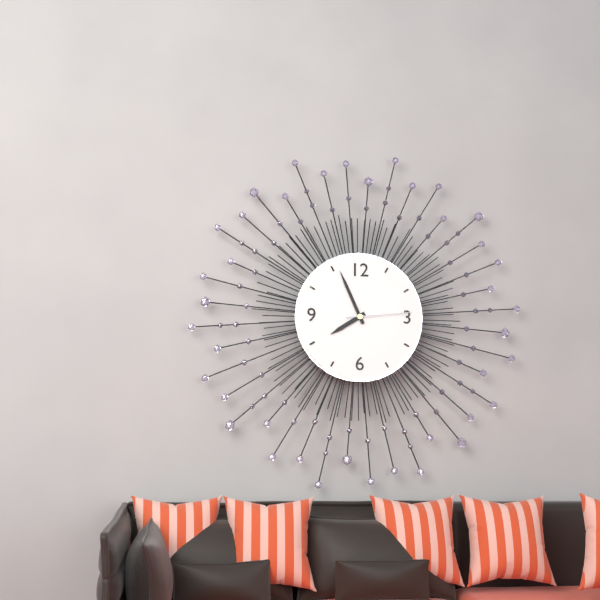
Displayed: 7h56m14s
